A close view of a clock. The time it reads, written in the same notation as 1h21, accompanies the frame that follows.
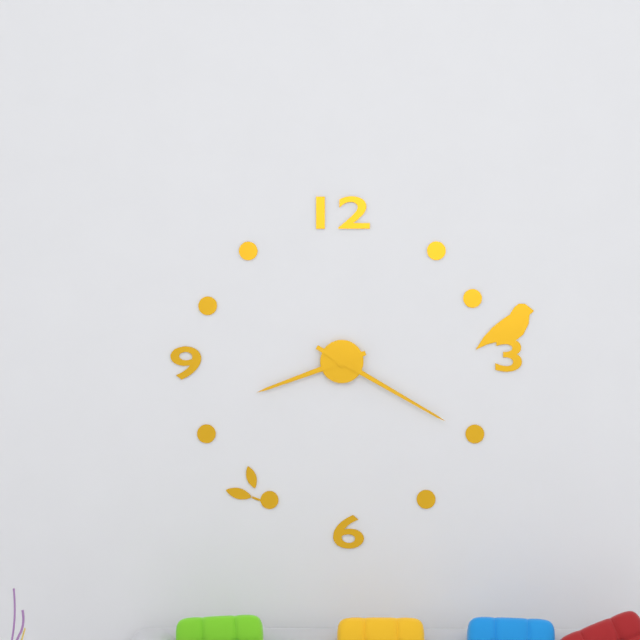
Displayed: 8h20
